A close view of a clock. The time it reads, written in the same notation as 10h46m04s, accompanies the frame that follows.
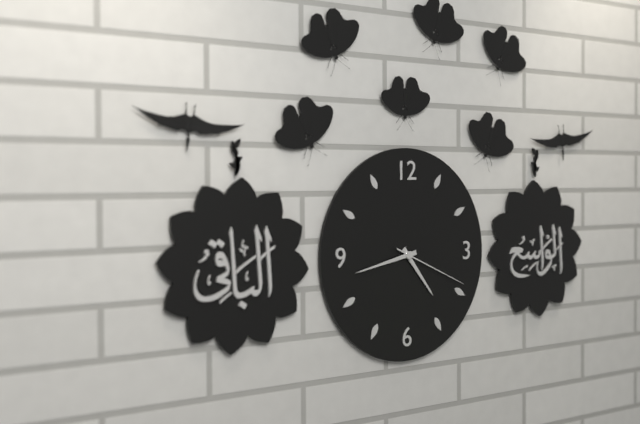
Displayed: 4h43m19s
